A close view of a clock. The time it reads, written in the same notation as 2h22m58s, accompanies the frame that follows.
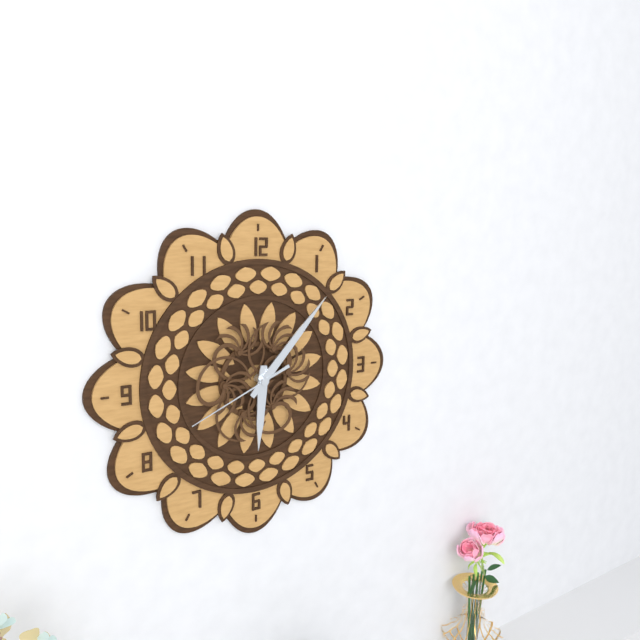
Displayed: 6h07m41s
